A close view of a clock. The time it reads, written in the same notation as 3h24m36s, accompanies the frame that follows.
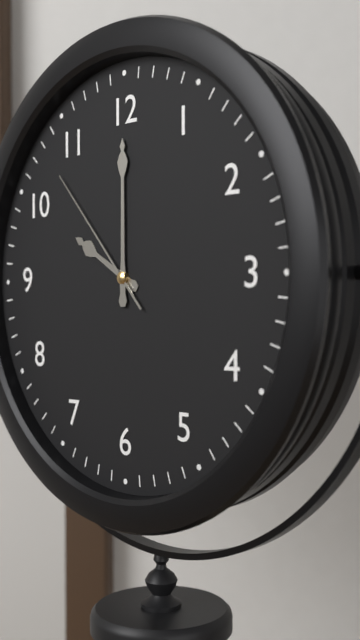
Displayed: 10h00m53s
